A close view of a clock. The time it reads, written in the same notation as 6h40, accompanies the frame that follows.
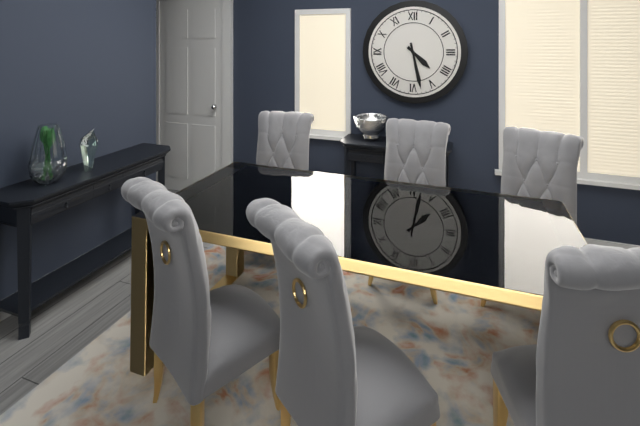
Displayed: 4h28
